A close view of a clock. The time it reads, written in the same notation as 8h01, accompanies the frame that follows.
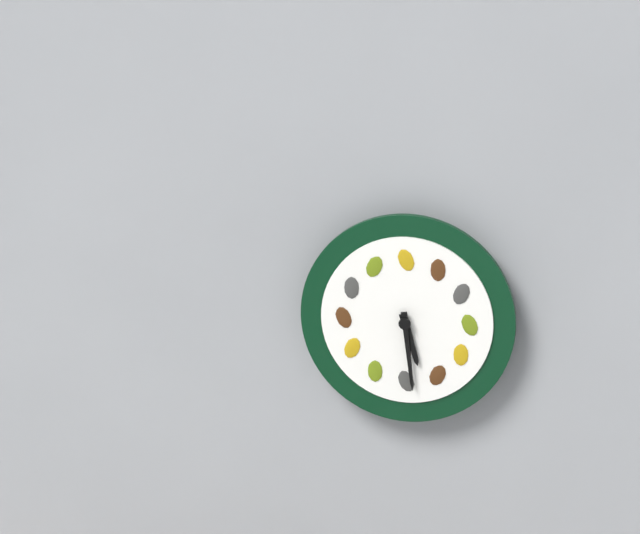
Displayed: 5h29
